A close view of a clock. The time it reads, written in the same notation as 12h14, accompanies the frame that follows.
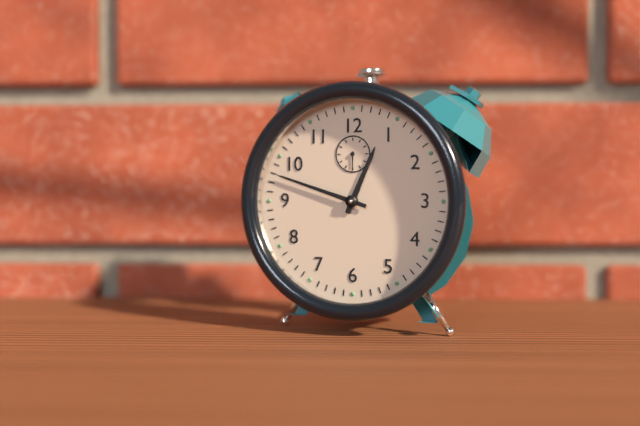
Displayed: 12h48
